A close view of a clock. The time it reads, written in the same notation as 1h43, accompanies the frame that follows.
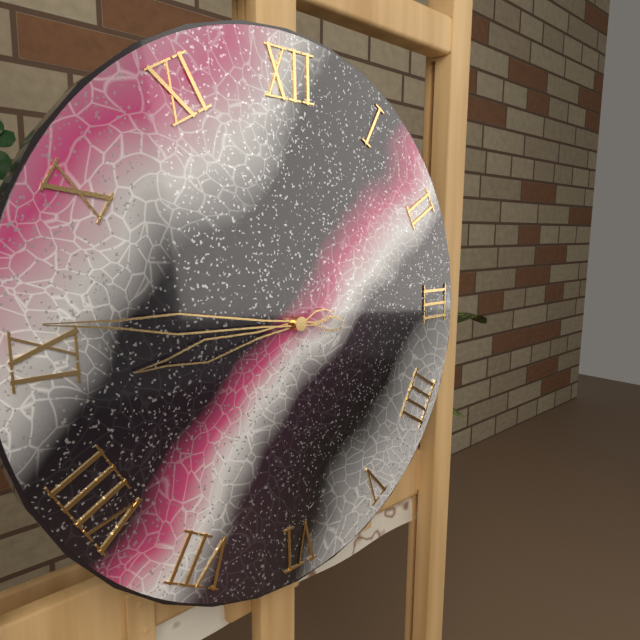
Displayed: 8h46
